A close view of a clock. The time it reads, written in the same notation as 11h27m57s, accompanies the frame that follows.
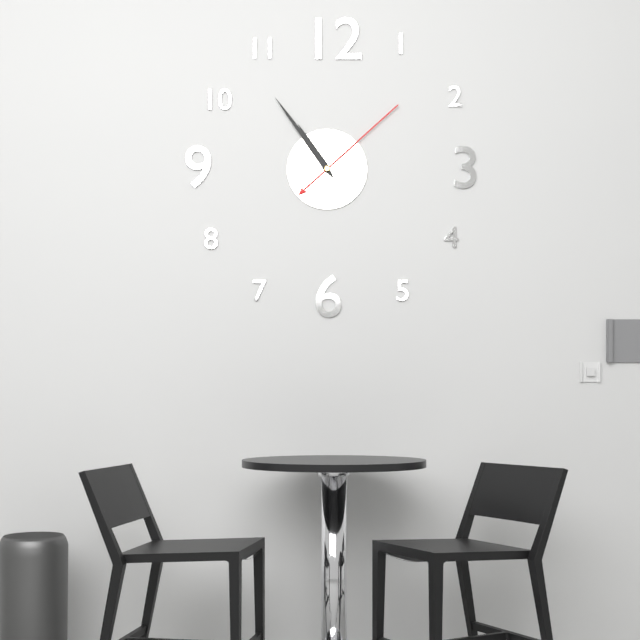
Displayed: 10h54m08s
